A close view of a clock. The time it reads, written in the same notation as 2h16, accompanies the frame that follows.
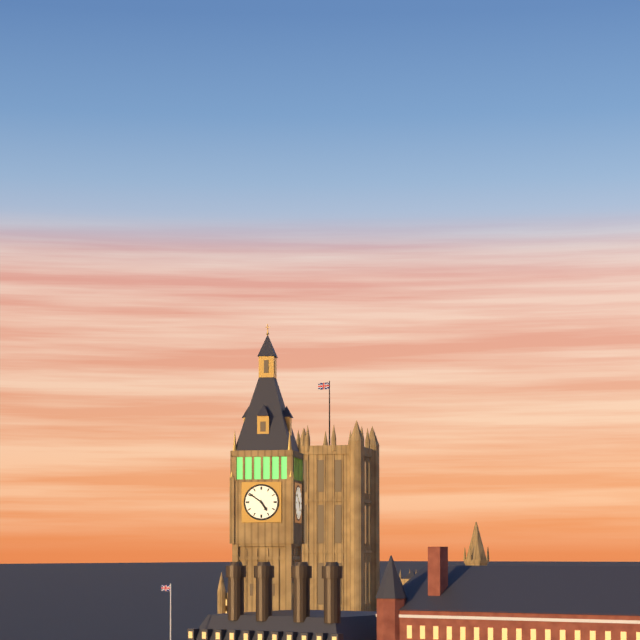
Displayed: 4h51
